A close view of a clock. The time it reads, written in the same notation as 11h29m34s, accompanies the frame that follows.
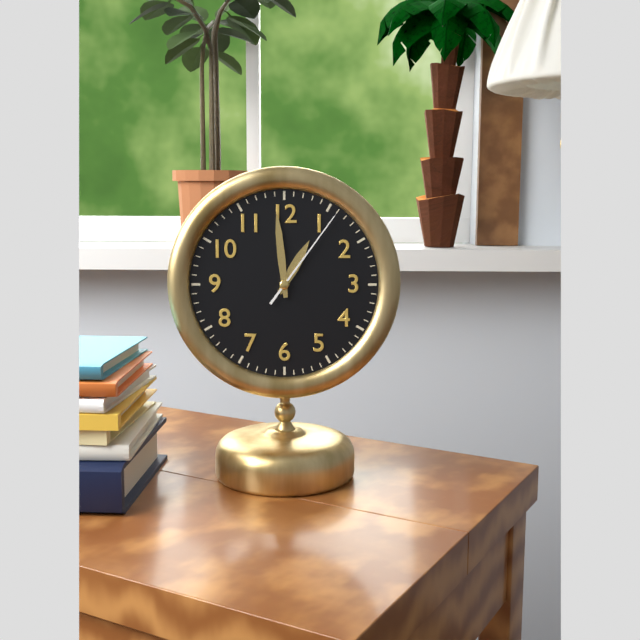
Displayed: 12h59m06s
